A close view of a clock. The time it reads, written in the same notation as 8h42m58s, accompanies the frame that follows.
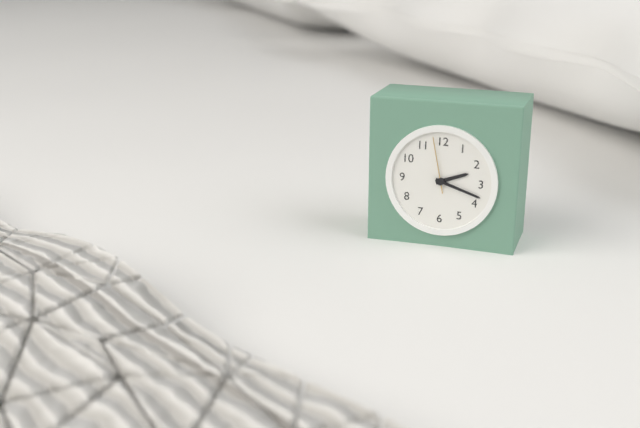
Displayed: 2h18m58s
